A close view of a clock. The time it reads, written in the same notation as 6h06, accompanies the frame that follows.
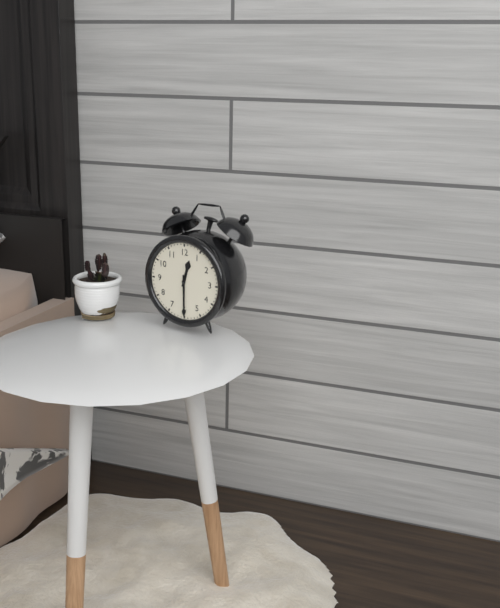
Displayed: 12h30
